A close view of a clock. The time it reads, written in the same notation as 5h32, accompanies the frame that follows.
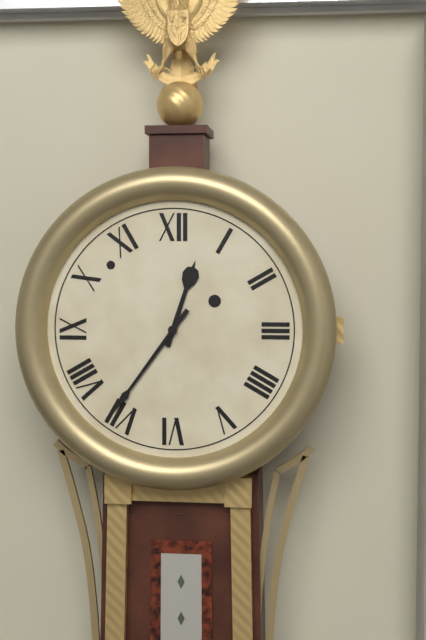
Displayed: 12h36
